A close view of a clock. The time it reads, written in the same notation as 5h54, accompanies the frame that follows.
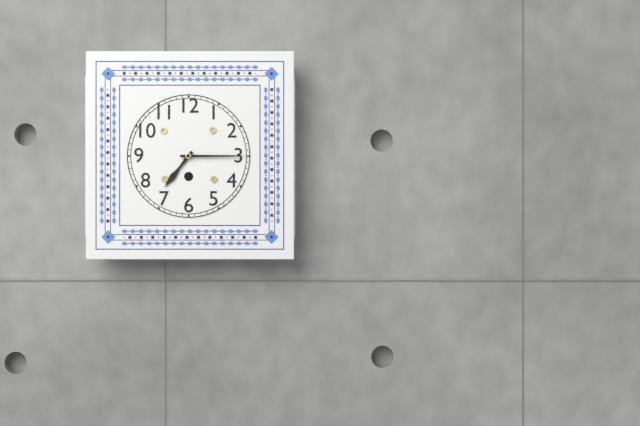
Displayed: 7h15
